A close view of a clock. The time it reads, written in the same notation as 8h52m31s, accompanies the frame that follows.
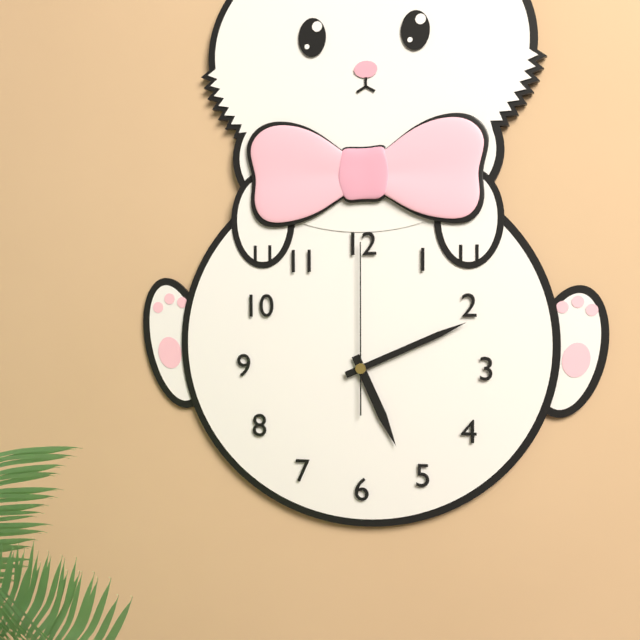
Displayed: 5h11m00s
